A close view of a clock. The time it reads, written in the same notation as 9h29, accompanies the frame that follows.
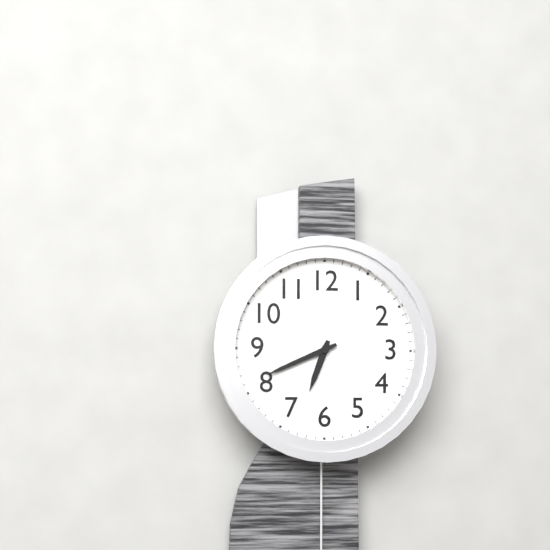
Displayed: 6h41
